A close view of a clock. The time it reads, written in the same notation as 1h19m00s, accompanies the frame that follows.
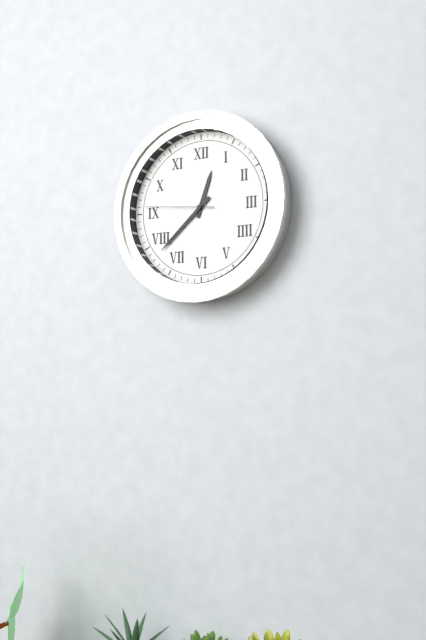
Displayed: 12h38m46s
